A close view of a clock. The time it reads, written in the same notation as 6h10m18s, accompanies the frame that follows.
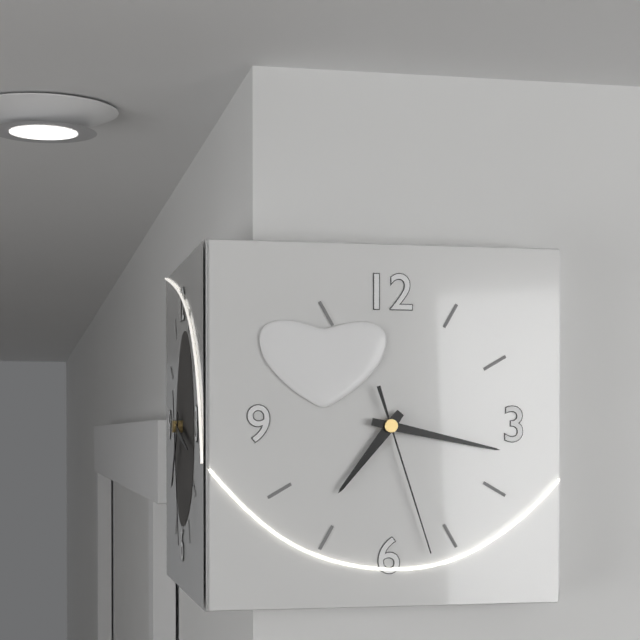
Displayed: 7h17m27s
